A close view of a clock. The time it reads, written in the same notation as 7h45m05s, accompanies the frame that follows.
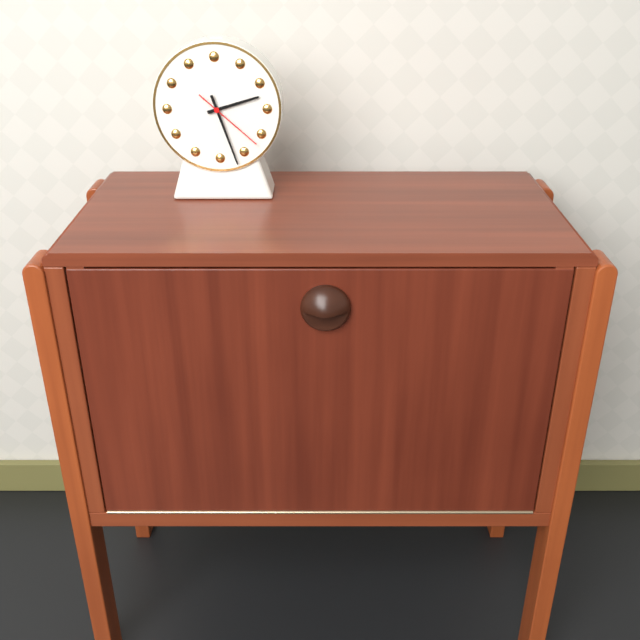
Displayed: 2h27m22s
